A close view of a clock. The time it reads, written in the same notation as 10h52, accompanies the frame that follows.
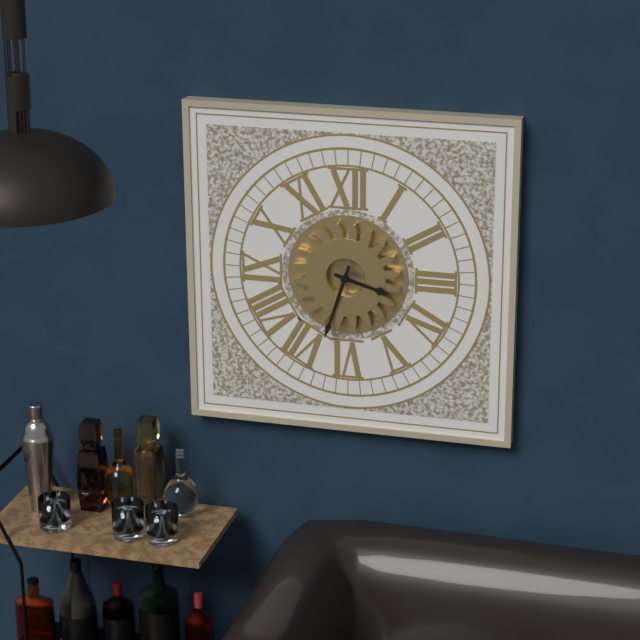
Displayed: 3h33
